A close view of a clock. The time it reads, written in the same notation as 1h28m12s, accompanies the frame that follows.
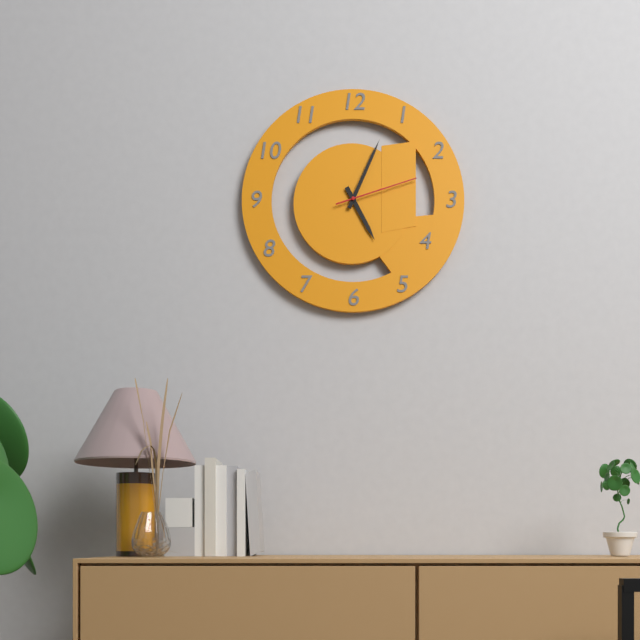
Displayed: 5h04m12s
